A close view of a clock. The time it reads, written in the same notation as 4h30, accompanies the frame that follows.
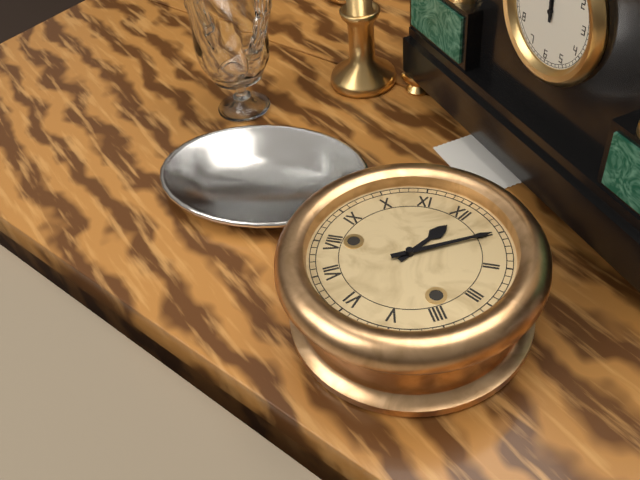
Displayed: 12h05
